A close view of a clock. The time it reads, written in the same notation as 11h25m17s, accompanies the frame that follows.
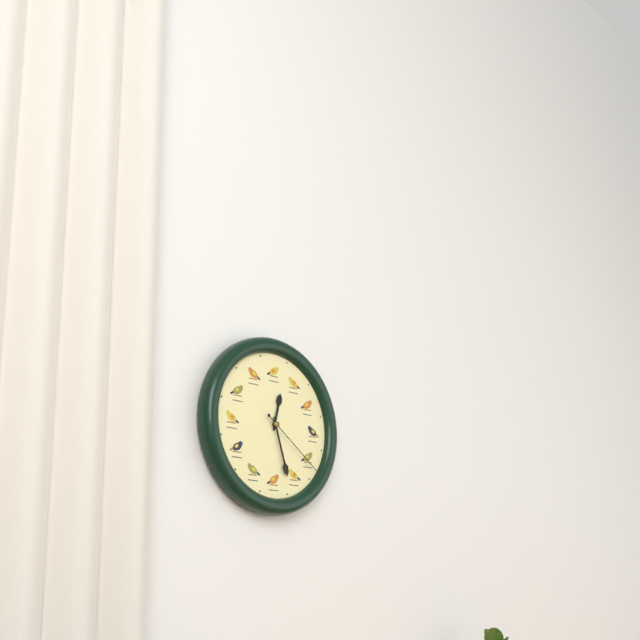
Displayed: 12h27m21s
